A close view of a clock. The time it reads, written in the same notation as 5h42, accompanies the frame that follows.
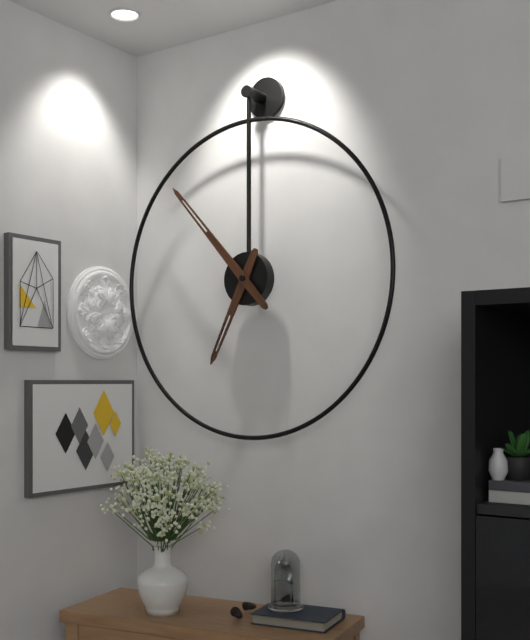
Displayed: 6h53
